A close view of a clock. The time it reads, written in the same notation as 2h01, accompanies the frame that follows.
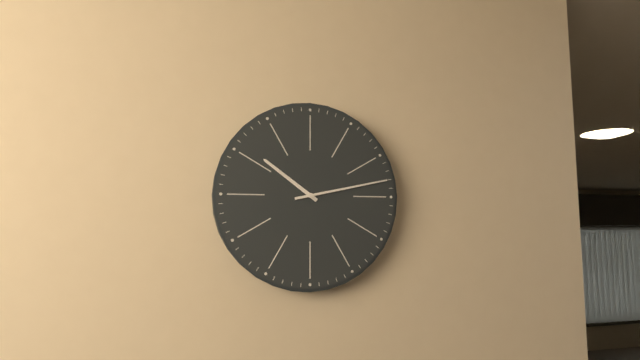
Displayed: 10h13
